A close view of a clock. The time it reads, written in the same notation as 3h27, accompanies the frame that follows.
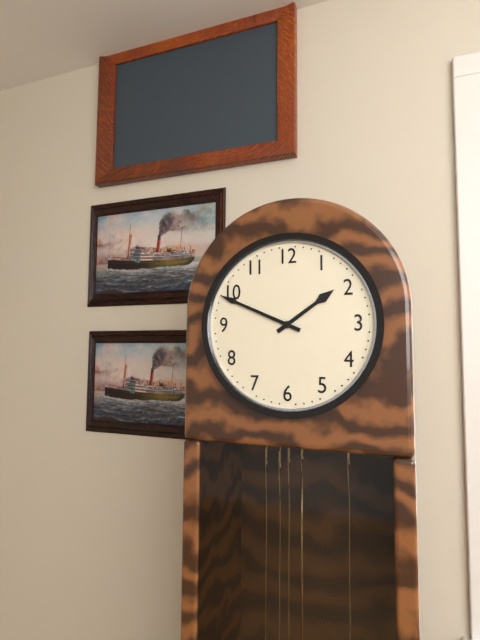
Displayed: 1h49
